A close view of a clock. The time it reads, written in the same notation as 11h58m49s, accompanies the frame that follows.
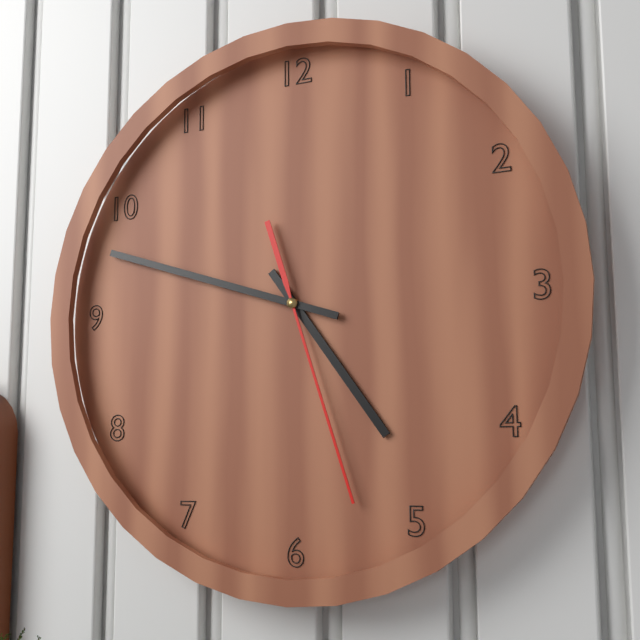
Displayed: 4h48m27s
